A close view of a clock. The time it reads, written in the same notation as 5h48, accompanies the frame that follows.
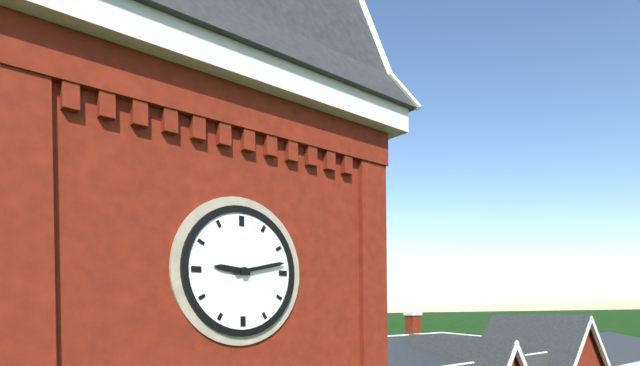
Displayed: 9h13
